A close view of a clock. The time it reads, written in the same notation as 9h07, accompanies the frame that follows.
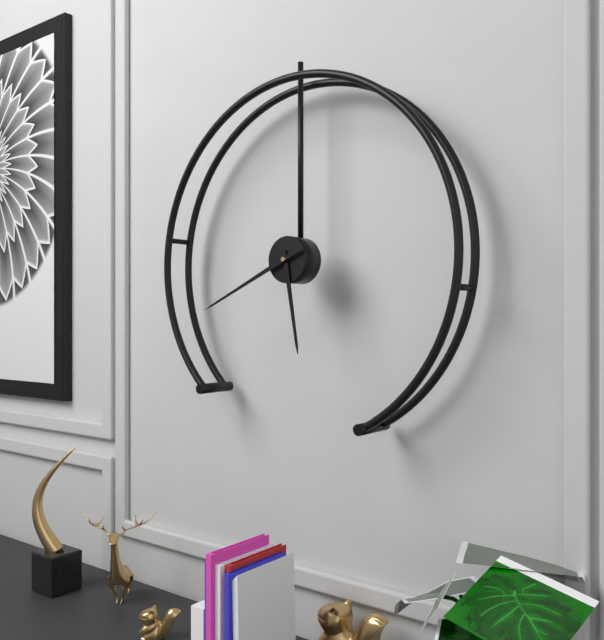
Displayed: 5h41
